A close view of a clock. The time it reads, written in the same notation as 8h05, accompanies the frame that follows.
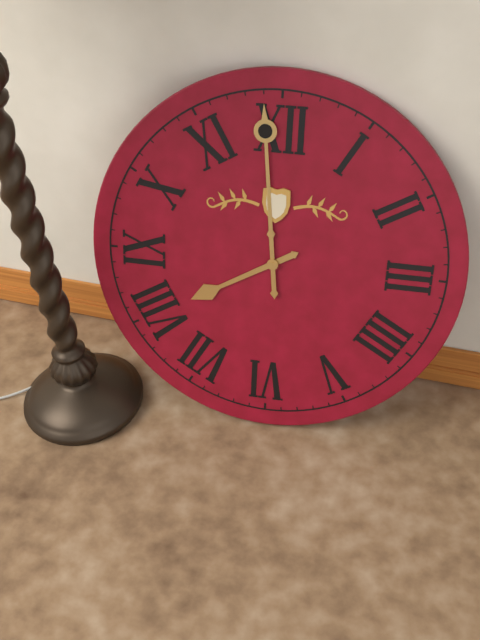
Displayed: 7h59
